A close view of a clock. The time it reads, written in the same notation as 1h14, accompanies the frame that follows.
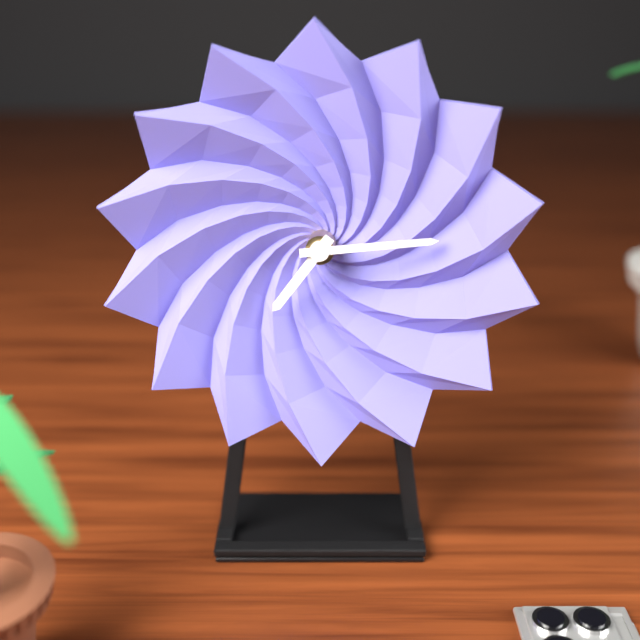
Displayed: 7h14
